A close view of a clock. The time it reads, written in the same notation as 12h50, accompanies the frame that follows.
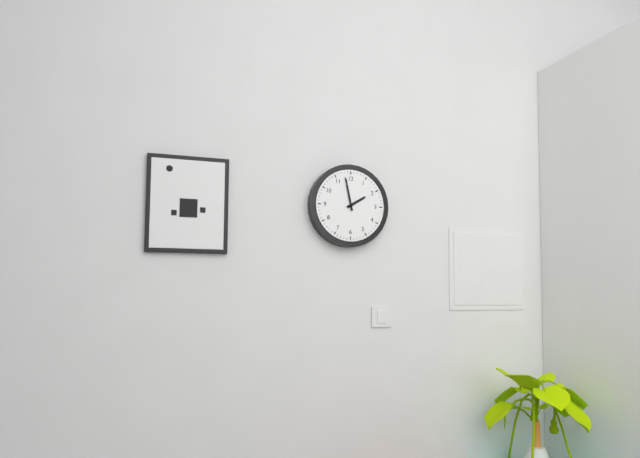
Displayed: 1h58
